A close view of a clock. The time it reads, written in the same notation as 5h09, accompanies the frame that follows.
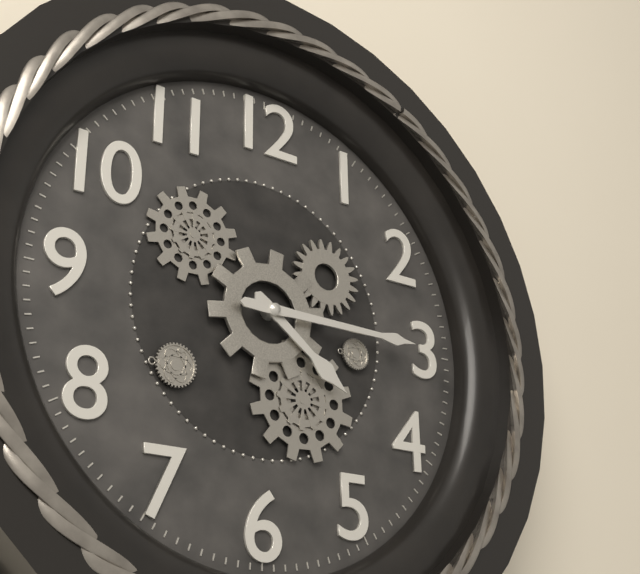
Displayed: 4h15
